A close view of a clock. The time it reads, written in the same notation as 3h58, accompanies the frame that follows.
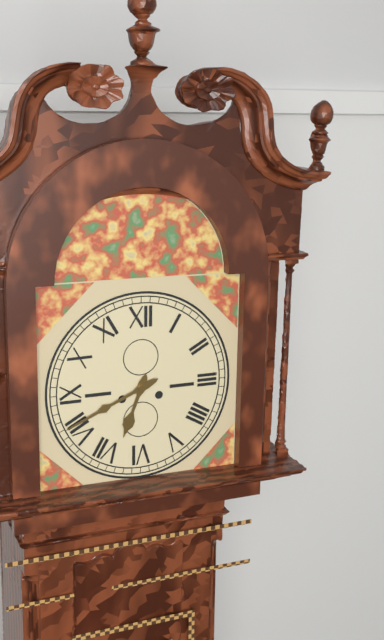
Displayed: 6h41
